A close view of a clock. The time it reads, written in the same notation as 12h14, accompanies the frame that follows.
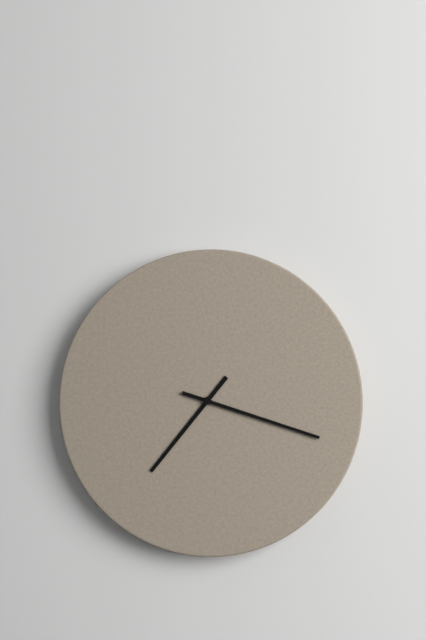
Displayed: 7h18
